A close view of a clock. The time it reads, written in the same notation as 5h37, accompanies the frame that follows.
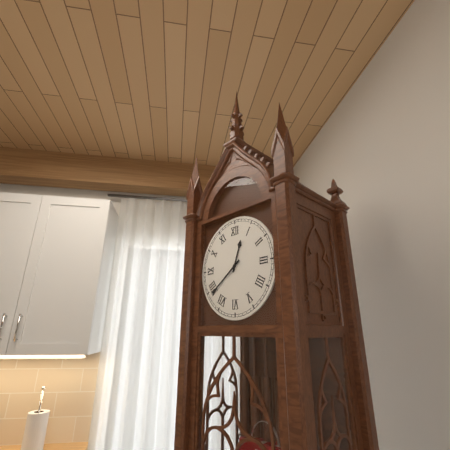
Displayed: 12h39
